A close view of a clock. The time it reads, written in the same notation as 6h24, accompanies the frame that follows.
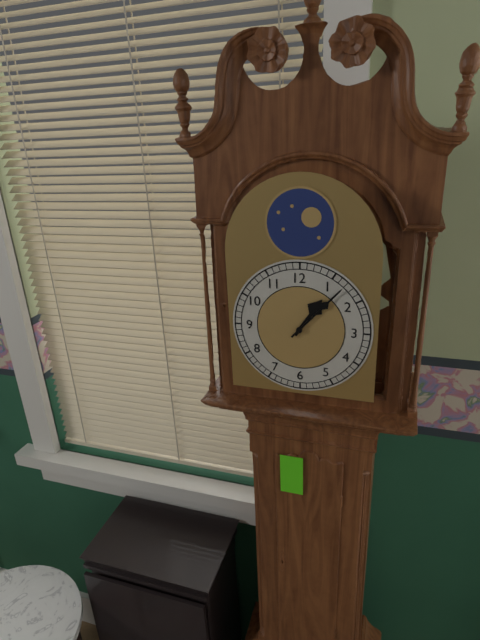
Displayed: 1h07
